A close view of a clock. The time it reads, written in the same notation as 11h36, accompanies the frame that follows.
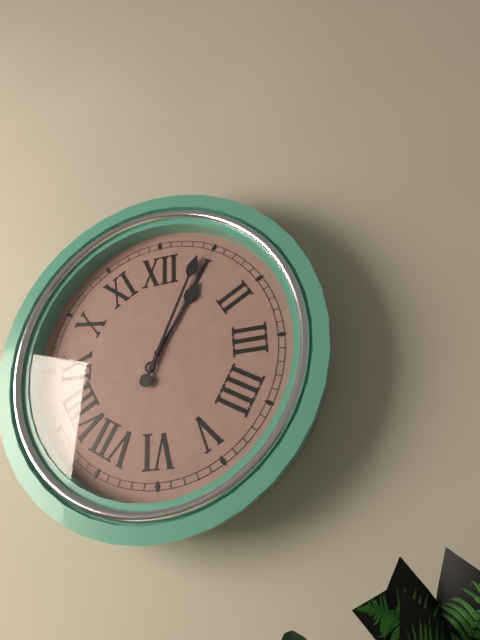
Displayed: 1h04
